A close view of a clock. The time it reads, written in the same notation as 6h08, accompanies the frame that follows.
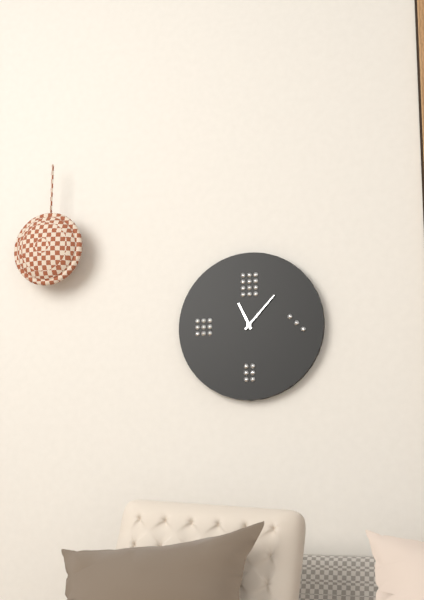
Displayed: 11h07
